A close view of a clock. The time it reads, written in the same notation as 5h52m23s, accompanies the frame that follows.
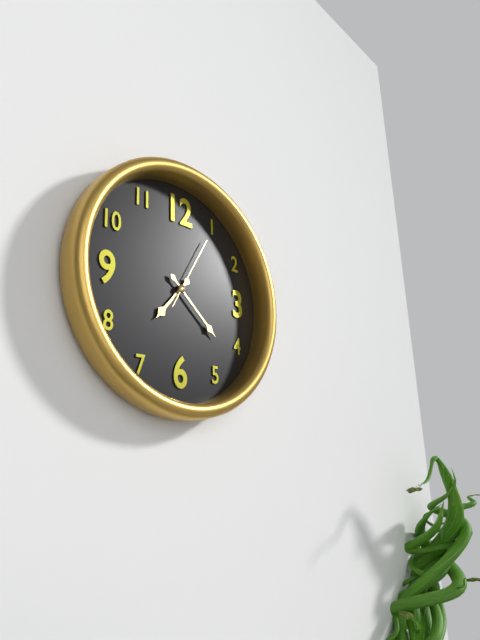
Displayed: 7h22m05s
